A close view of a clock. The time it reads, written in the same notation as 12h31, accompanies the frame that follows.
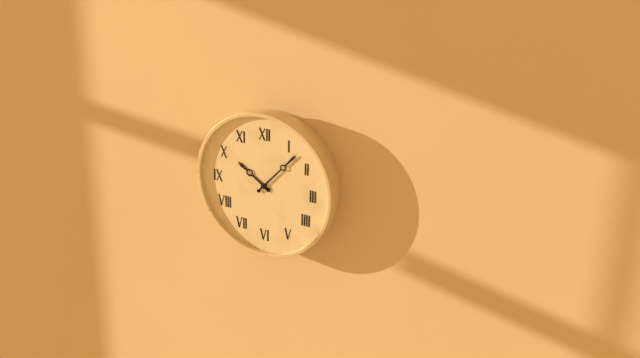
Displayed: 10h07
